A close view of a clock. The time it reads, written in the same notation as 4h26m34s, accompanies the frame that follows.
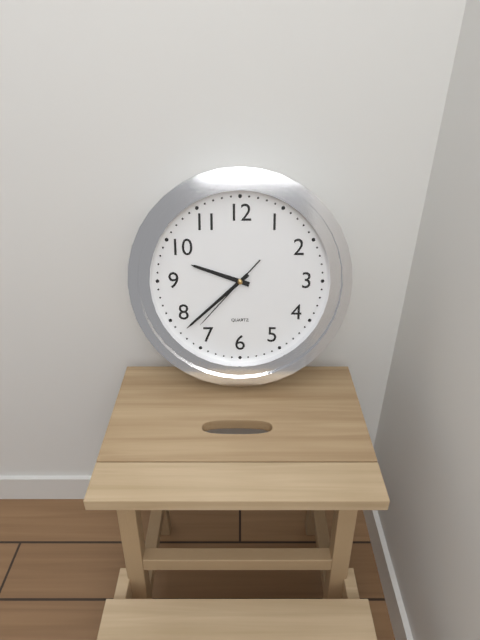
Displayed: 9h38m37s
